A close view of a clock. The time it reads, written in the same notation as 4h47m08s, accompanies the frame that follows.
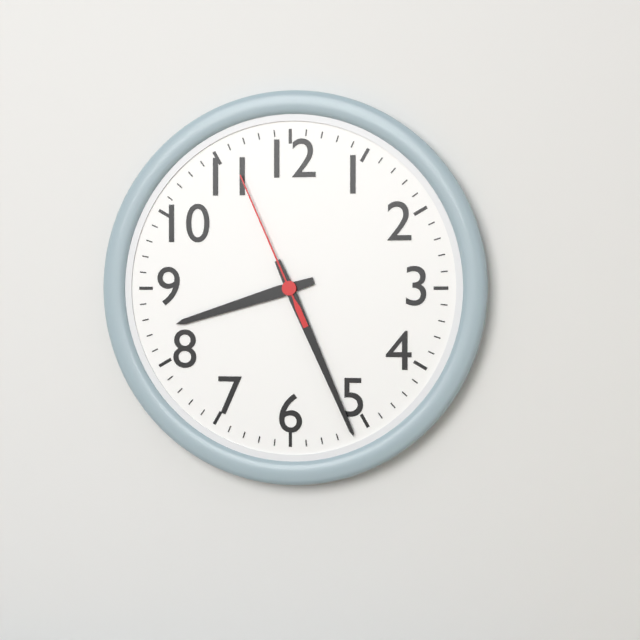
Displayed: 8h26m56s
